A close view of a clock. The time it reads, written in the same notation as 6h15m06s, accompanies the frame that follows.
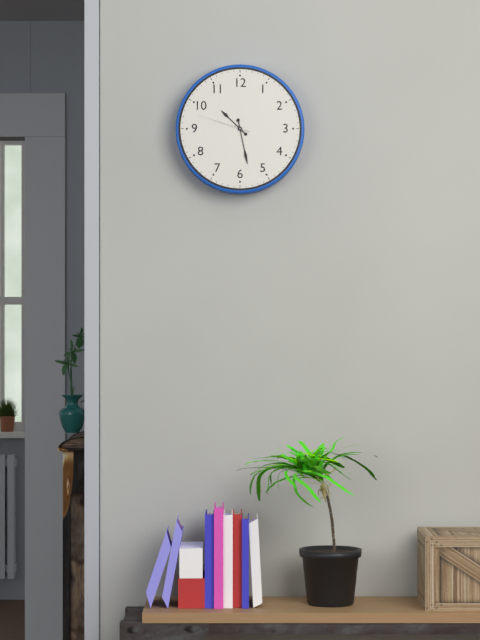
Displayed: 10h28m48s
